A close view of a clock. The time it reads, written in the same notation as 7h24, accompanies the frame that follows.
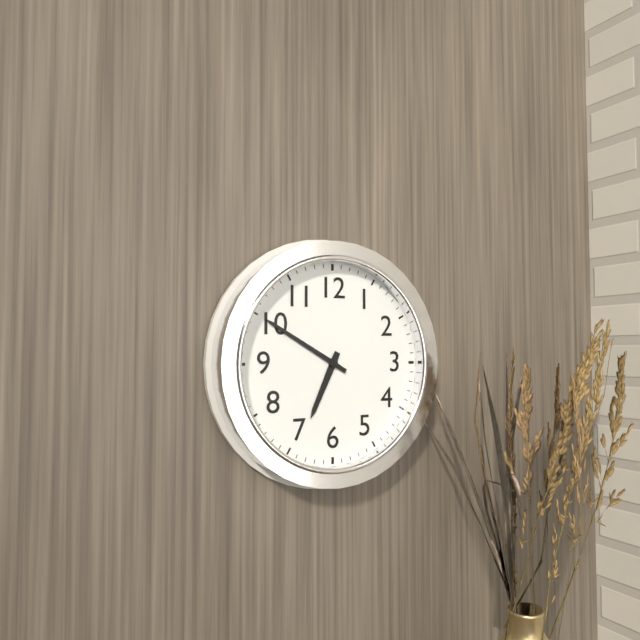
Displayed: 6h50
